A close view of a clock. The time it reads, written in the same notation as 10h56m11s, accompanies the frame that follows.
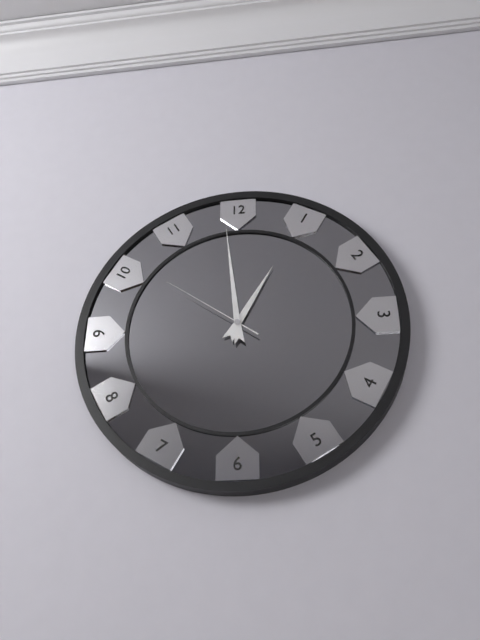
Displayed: 12h59m51s
